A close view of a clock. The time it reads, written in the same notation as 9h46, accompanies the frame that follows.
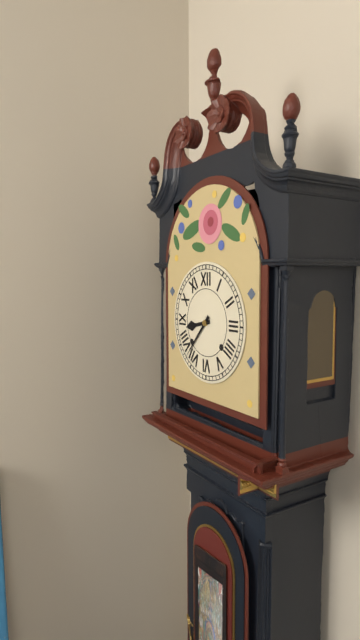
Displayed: 8h37
